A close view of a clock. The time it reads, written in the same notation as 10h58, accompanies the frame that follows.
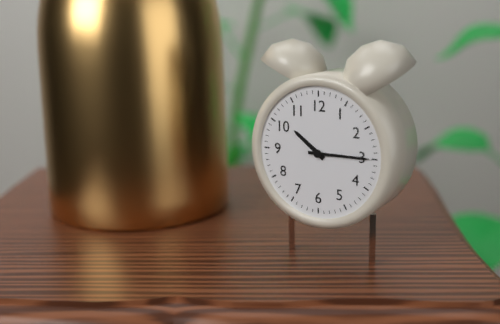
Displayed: 10h15
